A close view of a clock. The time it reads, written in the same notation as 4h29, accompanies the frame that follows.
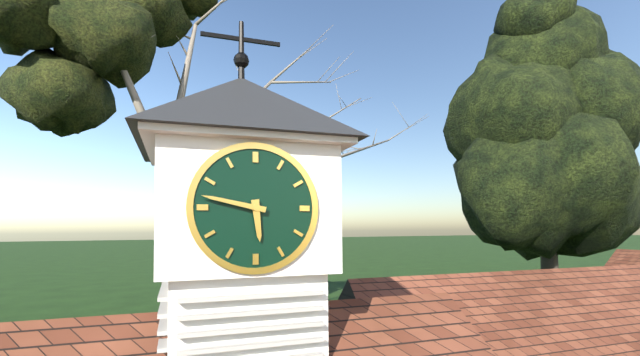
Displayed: 5h47
